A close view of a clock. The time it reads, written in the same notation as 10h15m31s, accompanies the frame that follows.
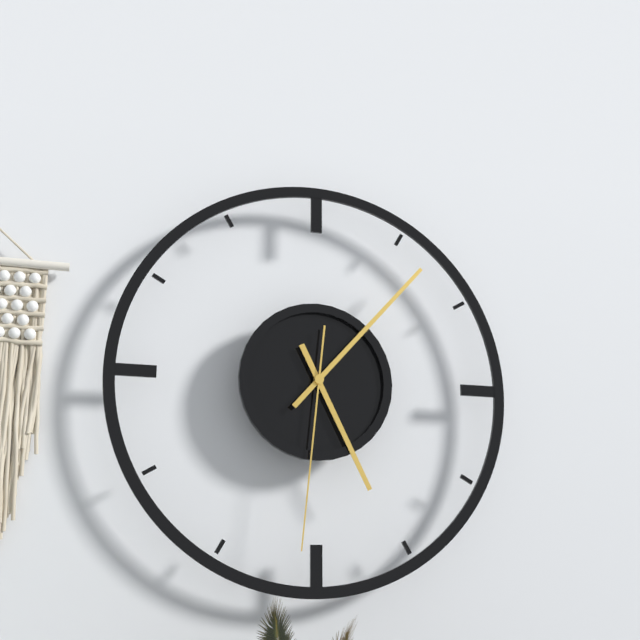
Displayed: 5h07m31s
